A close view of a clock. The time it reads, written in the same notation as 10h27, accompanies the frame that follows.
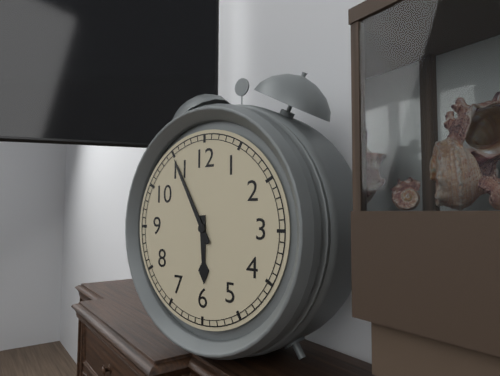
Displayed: 5h55
